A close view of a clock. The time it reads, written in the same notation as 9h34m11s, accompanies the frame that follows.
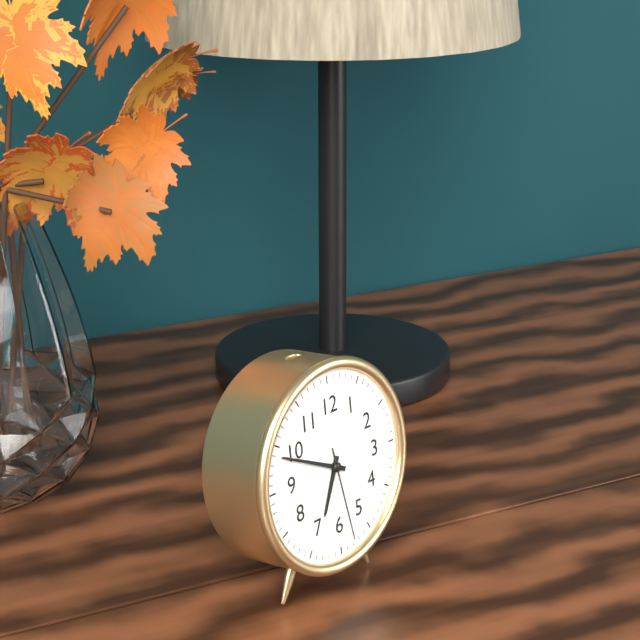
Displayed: 6h49m28s
